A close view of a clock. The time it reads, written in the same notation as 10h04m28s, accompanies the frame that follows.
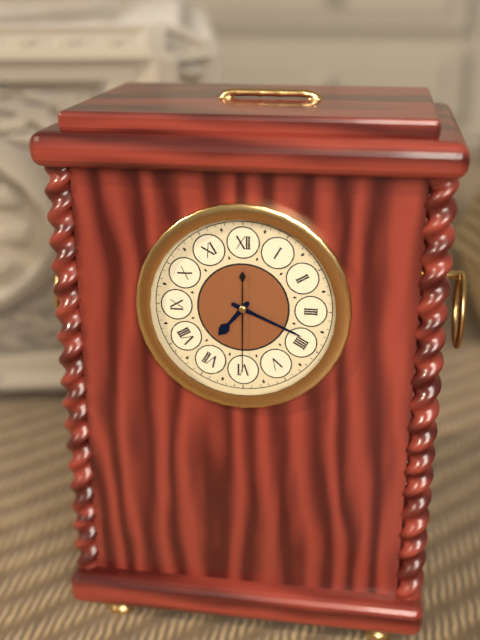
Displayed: 7h19m30s
